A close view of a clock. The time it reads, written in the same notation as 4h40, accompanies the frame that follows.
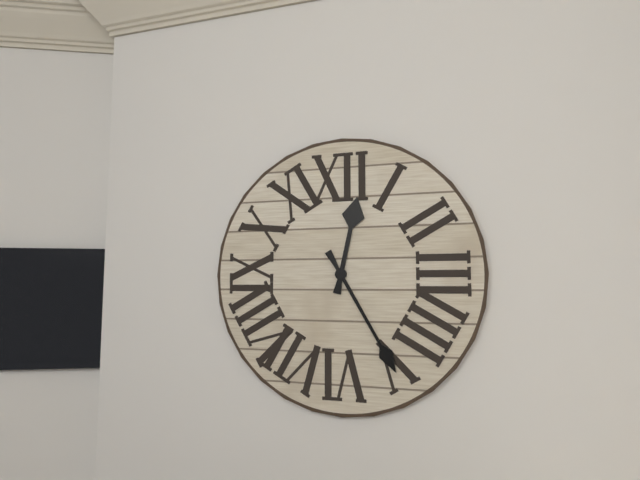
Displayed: 12h25
